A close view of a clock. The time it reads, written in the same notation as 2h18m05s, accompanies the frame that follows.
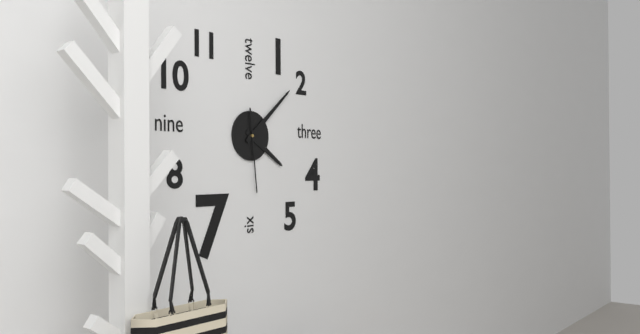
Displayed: 4h08m29s
